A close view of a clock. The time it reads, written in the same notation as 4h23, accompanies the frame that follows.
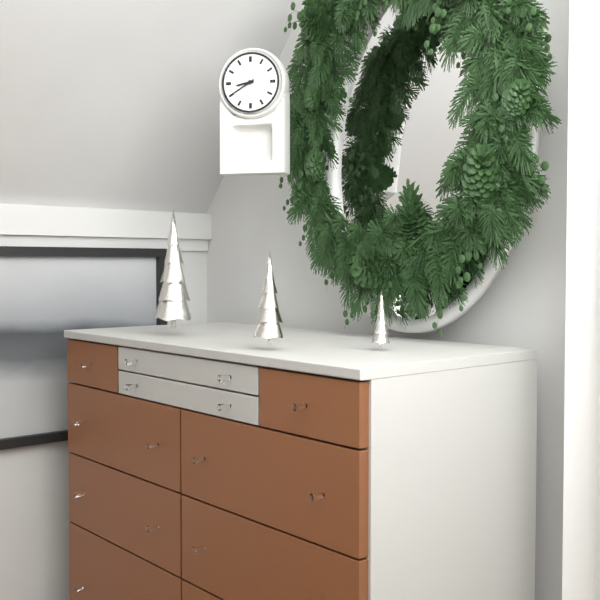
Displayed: 8h40
